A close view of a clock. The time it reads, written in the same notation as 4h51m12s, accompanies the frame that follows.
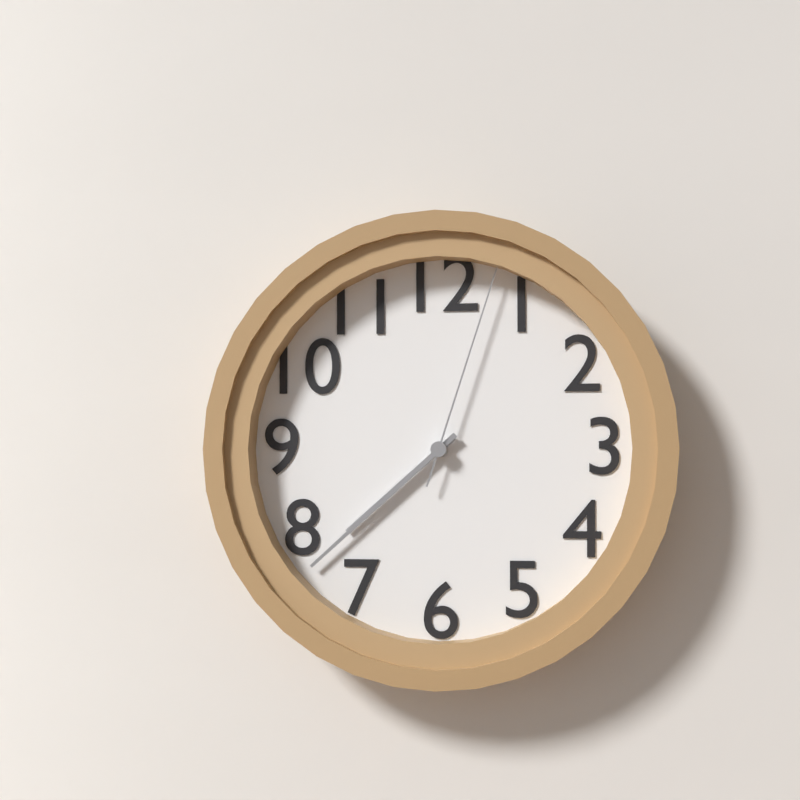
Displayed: 7h38m03s
